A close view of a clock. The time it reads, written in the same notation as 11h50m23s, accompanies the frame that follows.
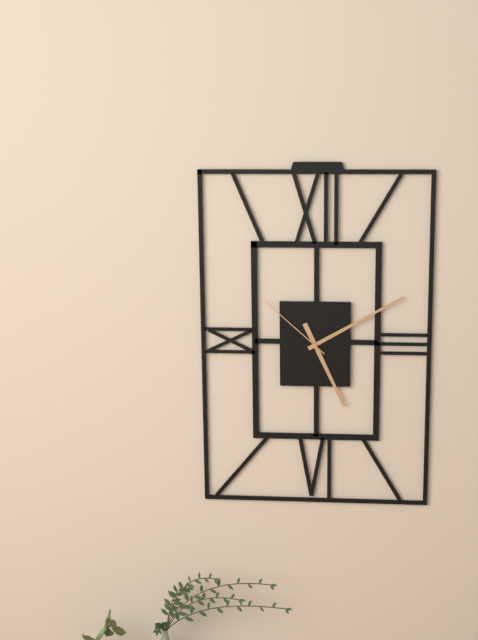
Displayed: 5h10m52s
